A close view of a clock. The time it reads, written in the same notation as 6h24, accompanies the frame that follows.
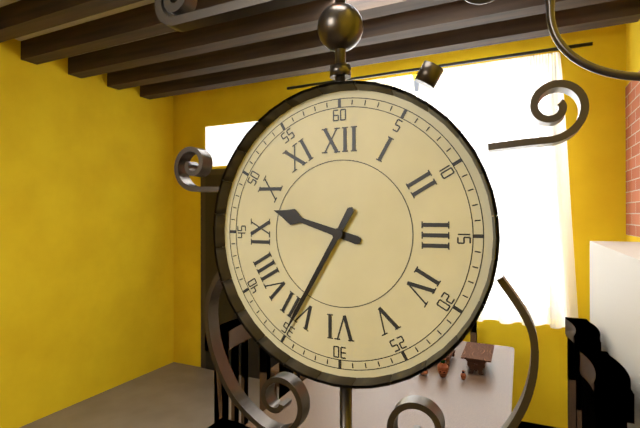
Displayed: 9h35
